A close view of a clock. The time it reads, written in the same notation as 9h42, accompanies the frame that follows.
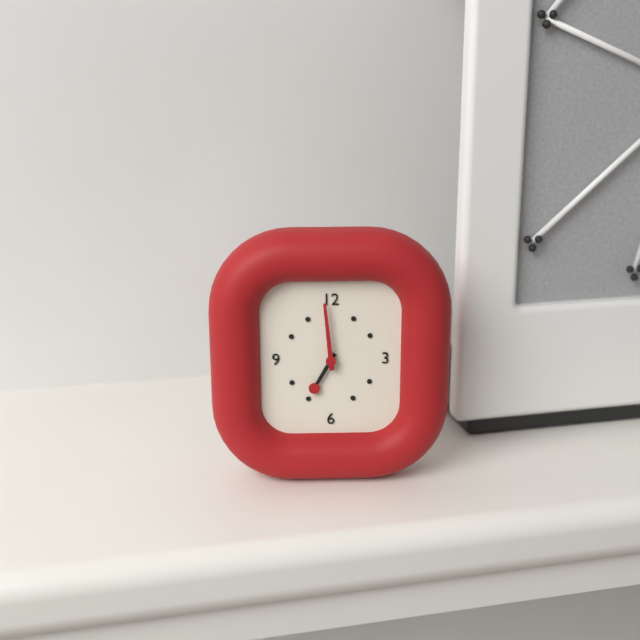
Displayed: 6h59
